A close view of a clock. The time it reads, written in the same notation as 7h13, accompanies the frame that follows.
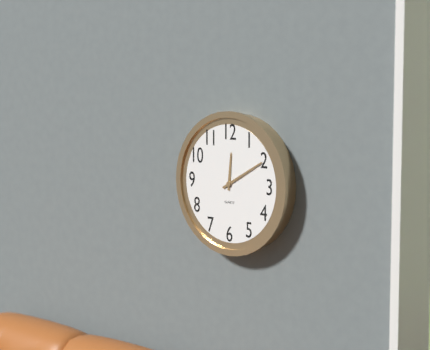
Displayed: 12h10
